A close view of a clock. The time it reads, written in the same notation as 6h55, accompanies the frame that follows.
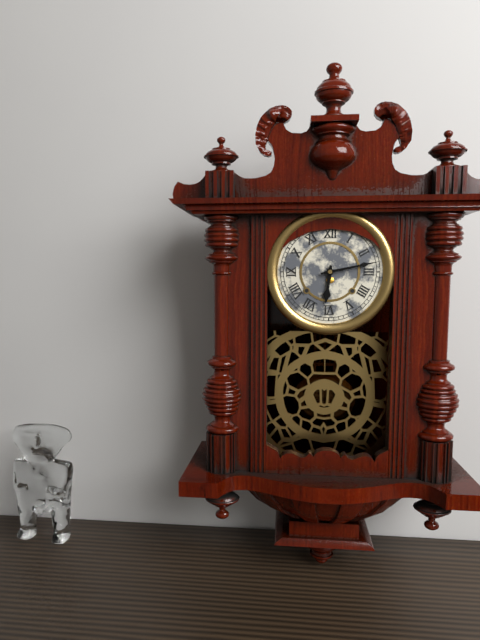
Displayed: 6h13
